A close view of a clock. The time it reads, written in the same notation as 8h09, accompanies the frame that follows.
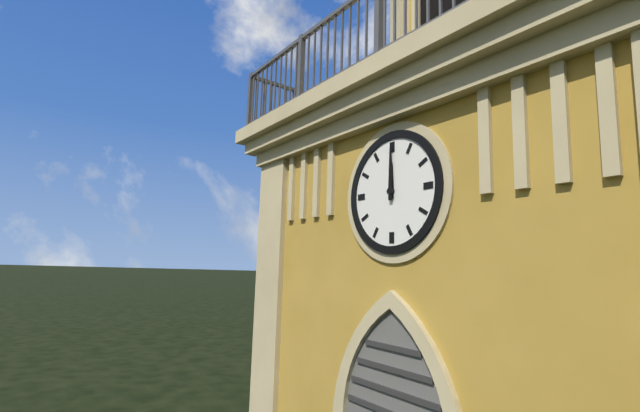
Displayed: 12h00
